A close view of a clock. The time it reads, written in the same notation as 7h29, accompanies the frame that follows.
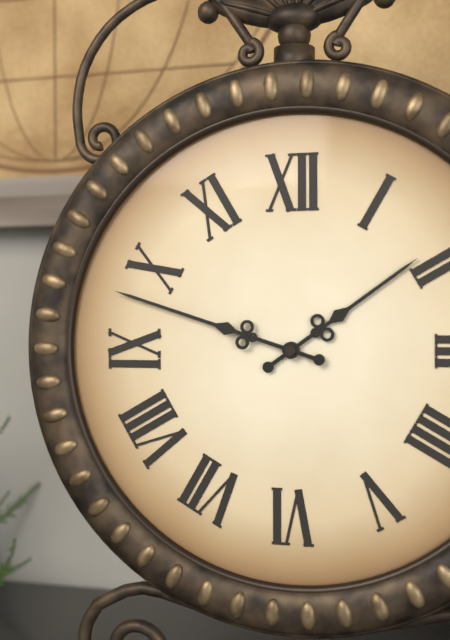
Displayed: 1h48
